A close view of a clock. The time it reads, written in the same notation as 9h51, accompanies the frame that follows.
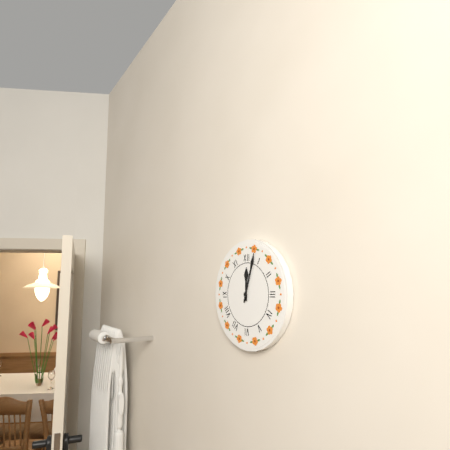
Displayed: 12h03
